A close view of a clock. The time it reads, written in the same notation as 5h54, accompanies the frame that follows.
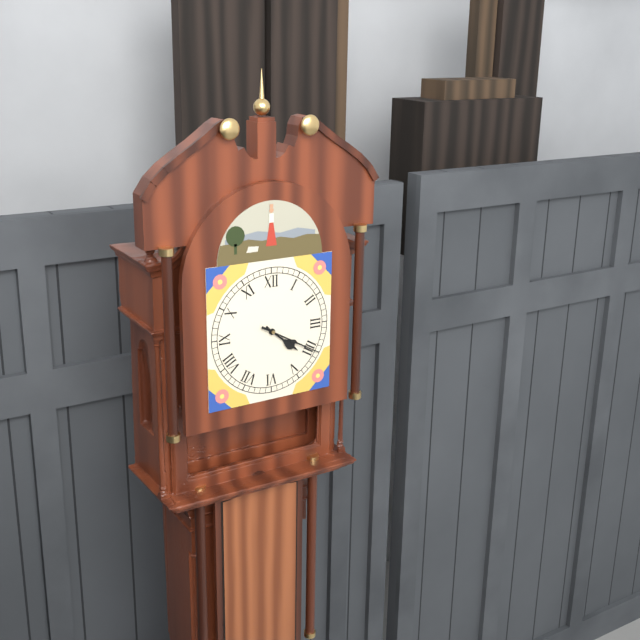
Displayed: 4h20
